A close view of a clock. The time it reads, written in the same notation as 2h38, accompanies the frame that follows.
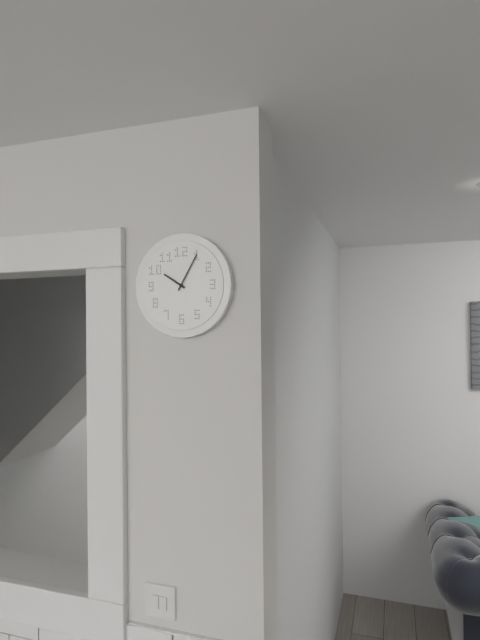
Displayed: 10h05
